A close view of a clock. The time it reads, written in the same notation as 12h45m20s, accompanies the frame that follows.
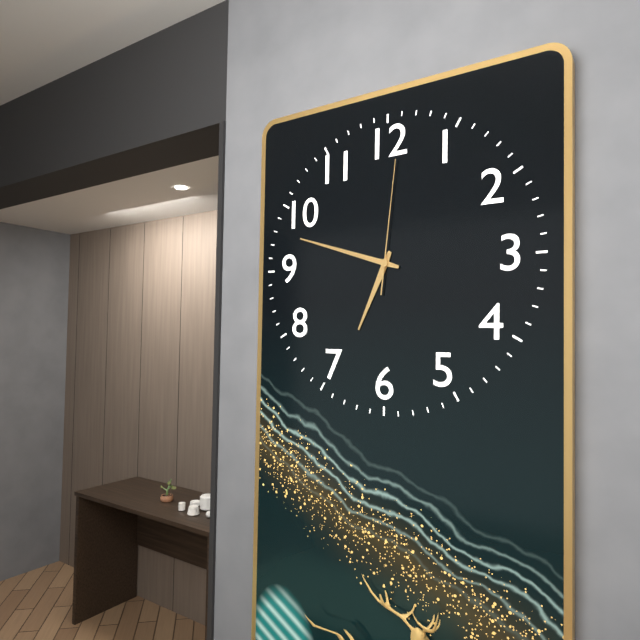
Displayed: 6h48m01s
